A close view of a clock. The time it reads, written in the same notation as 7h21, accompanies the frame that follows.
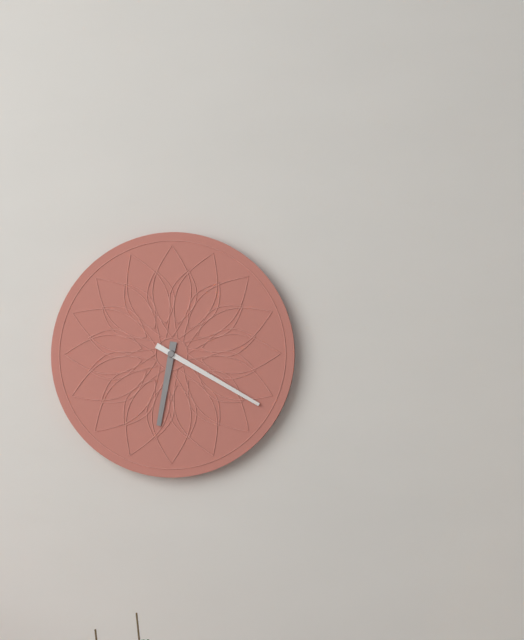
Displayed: 6h20
